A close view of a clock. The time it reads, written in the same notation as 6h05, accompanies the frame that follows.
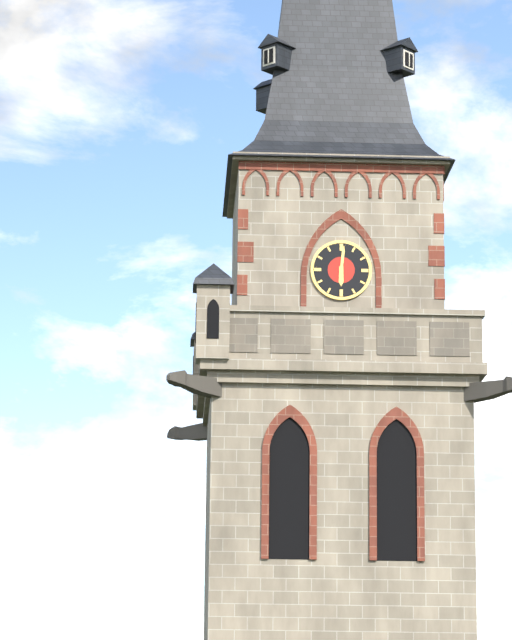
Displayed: 6h01
